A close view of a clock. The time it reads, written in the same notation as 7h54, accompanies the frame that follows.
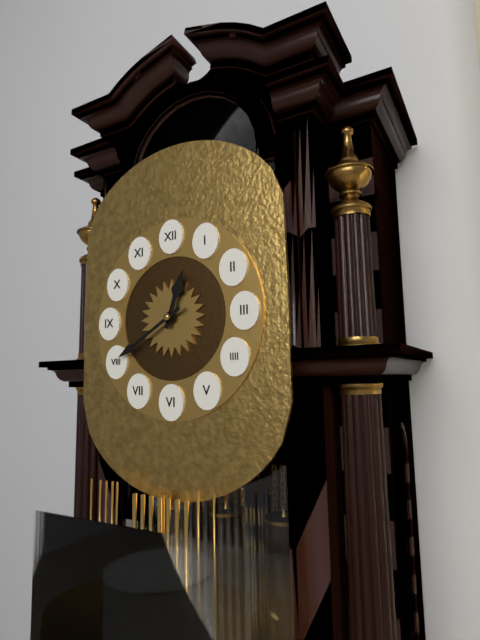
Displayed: 12h40
